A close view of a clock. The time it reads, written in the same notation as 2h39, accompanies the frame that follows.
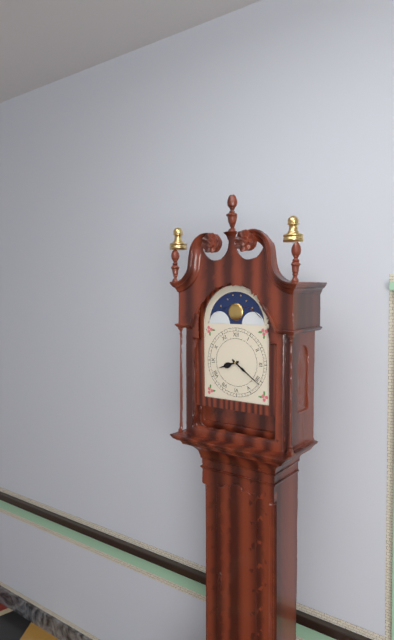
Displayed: 8h21
